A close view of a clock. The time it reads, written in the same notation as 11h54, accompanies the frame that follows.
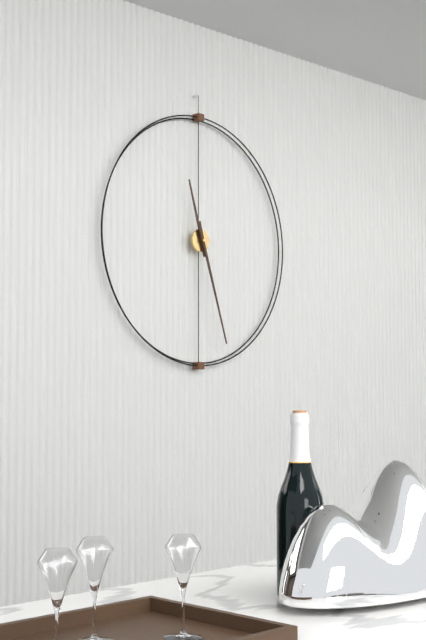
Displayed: 11h27
